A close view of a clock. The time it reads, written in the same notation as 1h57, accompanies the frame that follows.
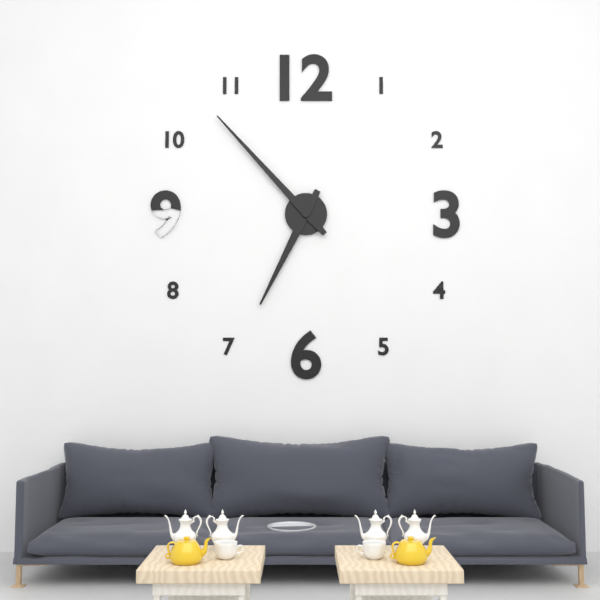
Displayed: 6h53
